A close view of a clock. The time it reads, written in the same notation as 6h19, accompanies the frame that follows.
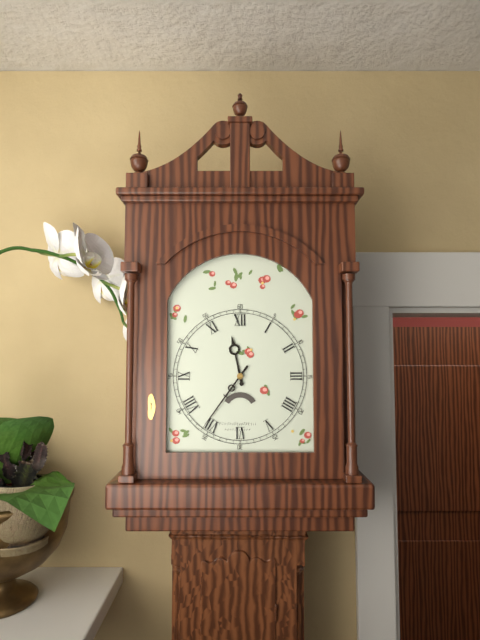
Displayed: 11h36
